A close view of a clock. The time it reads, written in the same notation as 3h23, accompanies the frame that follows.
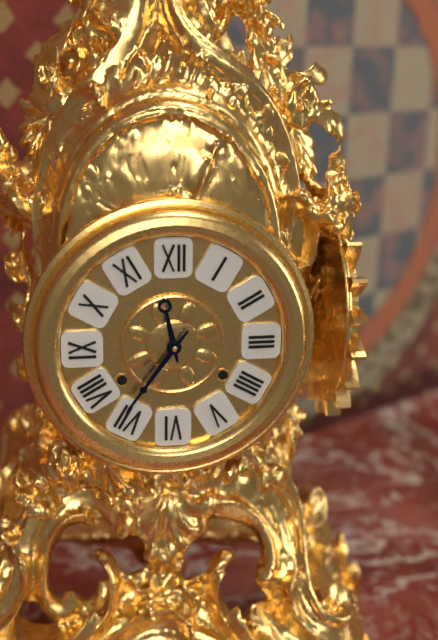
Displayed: 11h36
